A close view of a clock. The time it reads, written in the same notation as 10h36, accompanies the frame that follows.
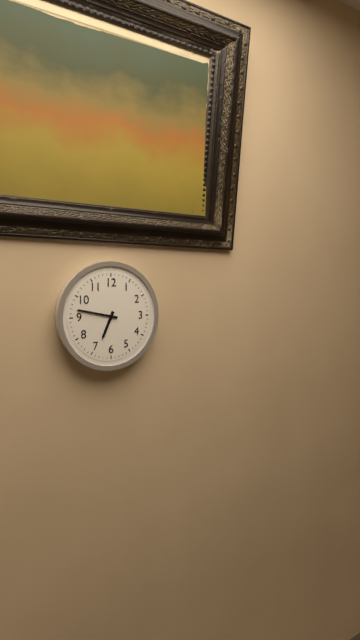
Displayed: 6h47
